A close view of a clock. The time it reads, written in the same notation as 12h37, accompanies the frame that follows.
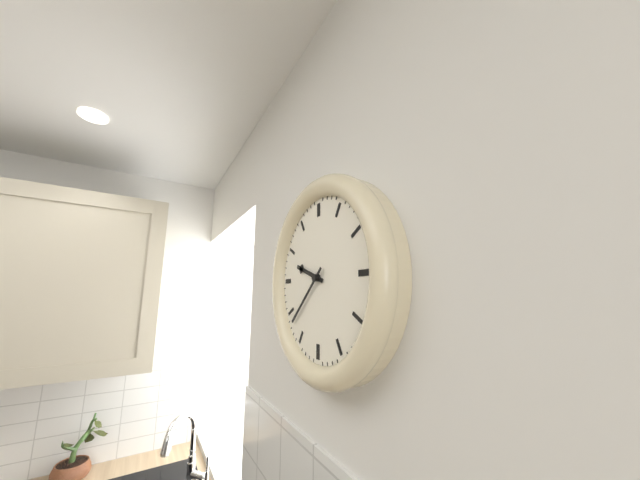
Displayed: 9h38
